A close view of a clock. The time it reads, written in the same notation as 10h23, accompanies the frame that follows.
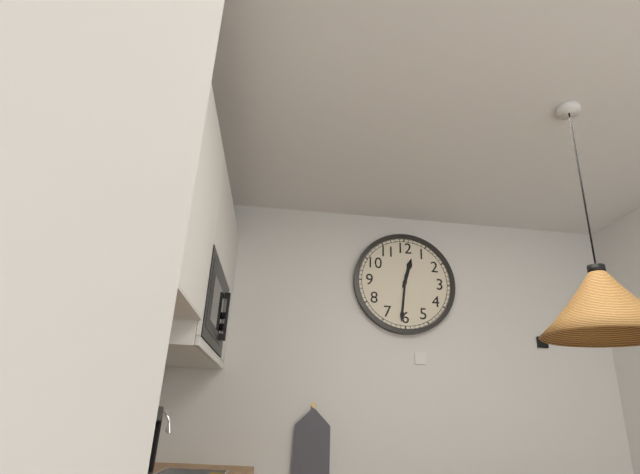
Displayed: 12h31
